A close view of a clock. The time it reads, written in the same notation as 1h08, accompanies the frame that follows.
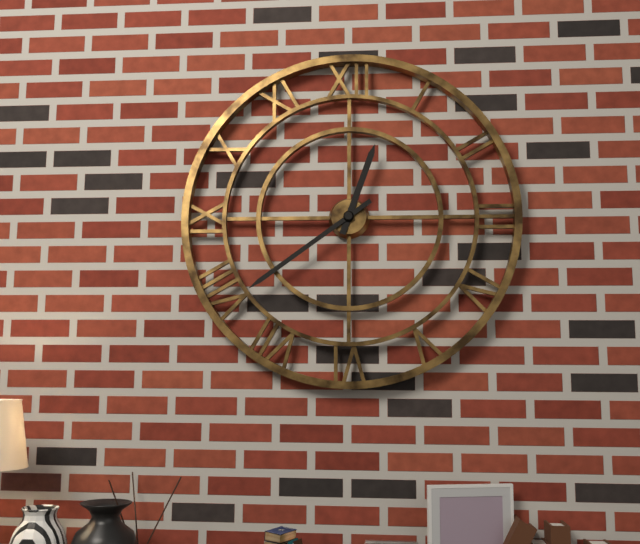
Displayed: 12h39
